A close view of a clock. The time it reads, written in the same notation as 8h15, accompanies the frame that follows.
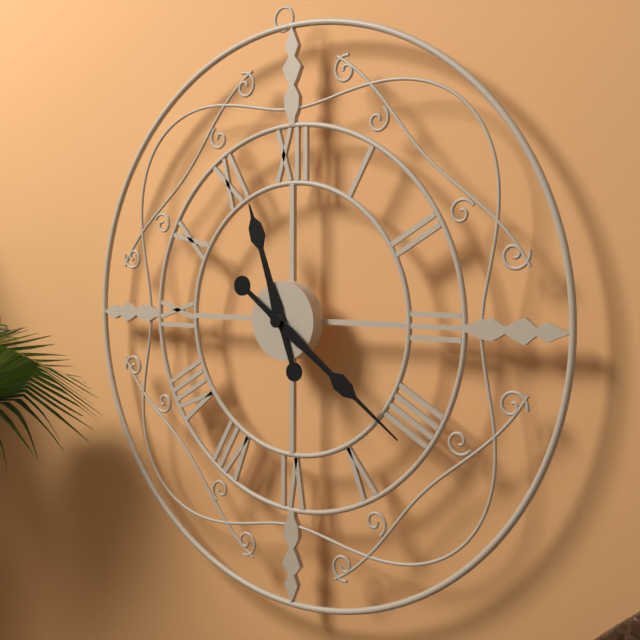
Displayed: 11h21
